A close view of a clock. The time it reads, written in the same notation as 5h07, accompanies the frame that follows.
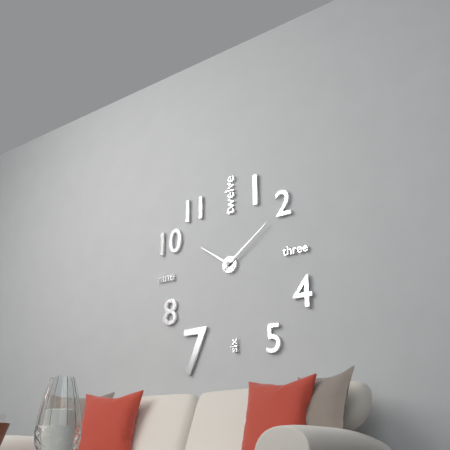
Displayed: 10h09
